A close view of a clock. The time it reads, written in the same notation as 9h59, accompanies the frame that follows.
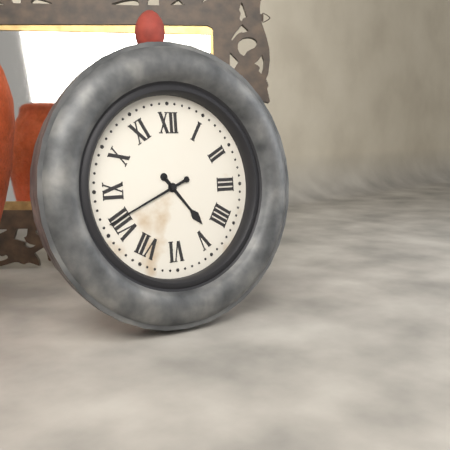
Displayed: 4h41
